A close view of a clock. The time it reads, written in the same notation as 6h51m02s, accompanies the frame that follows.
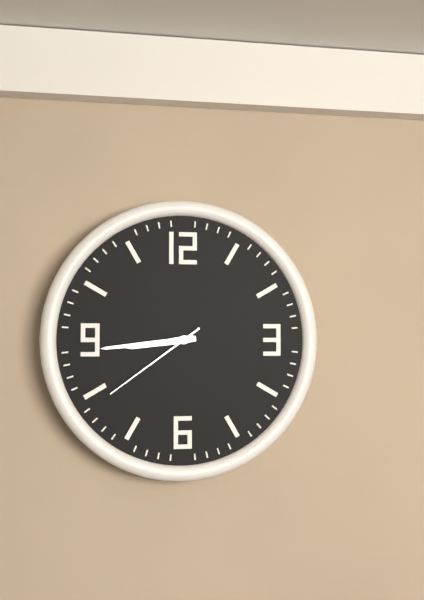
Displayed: 8h44m39s
